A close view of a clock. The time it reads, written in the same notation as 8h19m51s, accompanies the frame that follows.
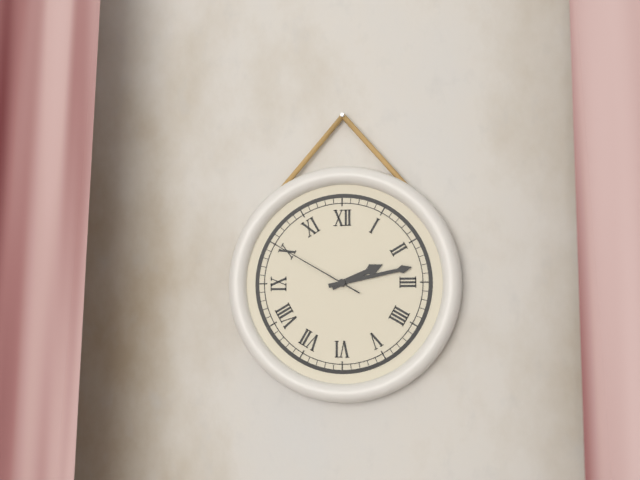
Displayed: 2h13m50s
